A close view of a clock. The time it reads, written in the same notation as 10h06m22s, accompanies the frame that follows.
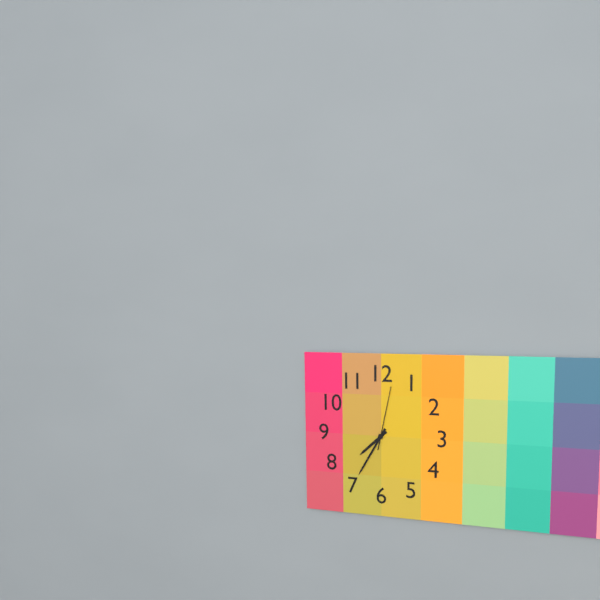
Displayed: 7h35m02s
